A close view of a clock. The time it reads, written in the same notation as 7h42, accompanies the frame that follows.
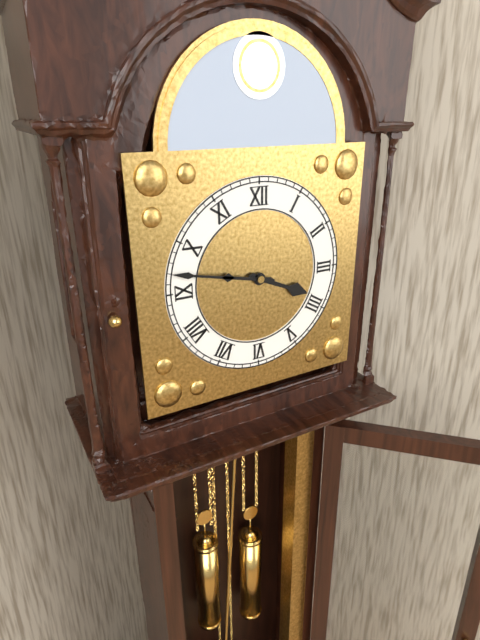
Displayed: 3h47
